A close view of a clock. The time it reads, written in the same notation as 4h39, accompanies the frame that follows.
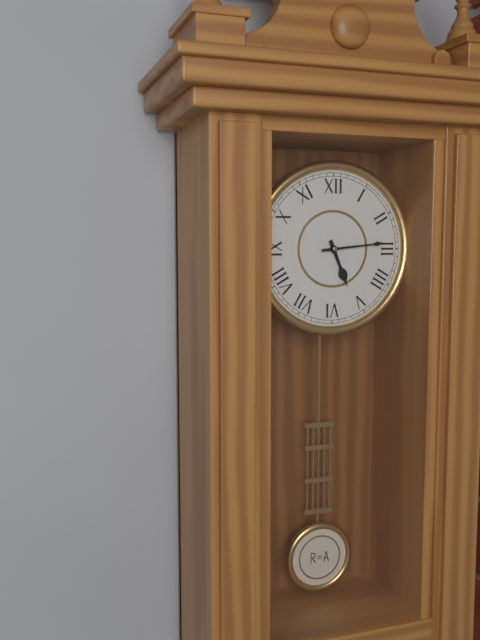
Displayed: 5h14
